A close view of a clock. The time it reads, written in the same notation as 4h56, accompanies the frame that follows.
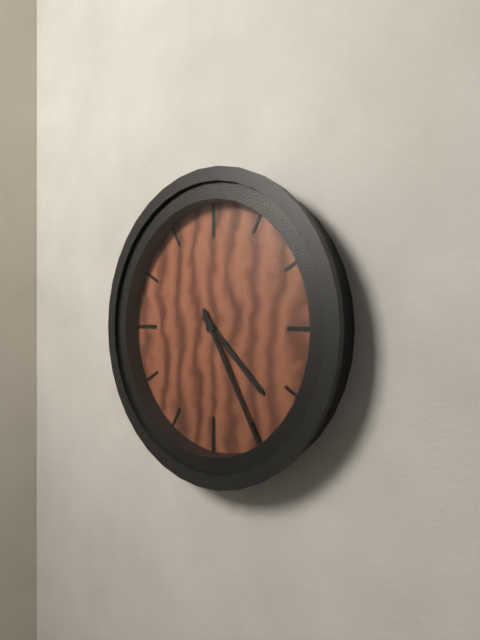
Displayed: 4h25
